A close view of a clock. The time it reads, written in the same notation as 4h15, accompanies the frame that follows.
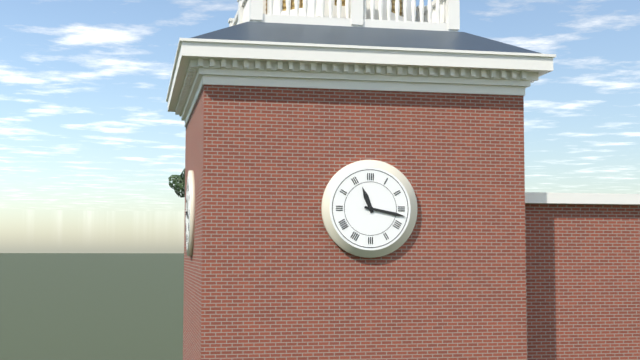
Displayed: 11h17
